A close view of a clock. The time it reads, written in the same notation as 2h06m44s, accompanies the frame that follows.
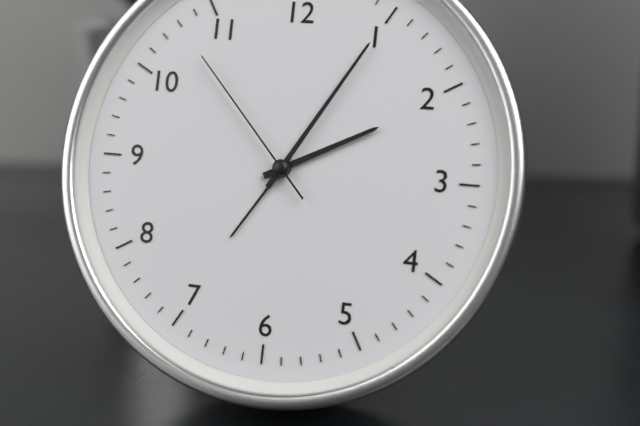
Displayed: 2h05m53s
